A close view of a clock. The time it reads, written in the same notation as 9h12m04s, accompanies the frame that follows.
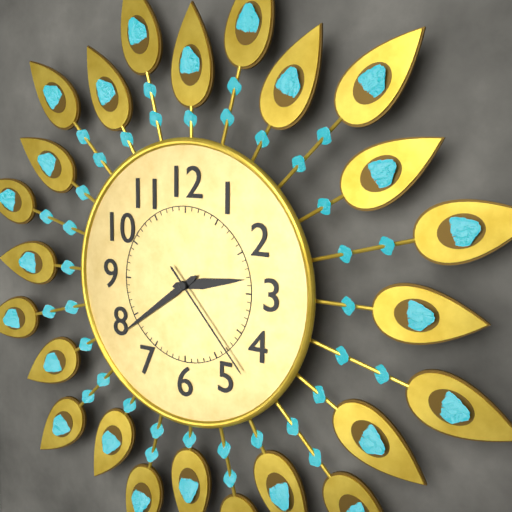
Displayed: 2h39m23s
